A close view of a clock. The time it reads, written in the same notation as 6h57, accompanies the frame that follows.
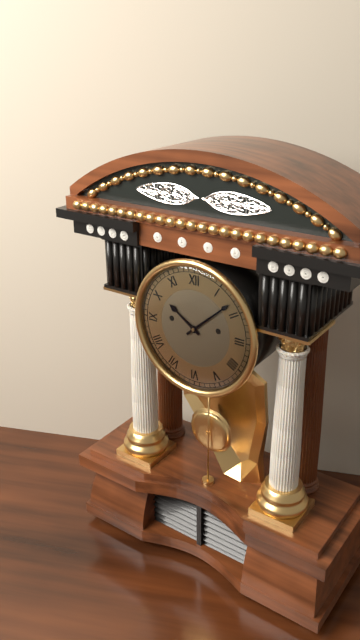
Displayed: 10h08
